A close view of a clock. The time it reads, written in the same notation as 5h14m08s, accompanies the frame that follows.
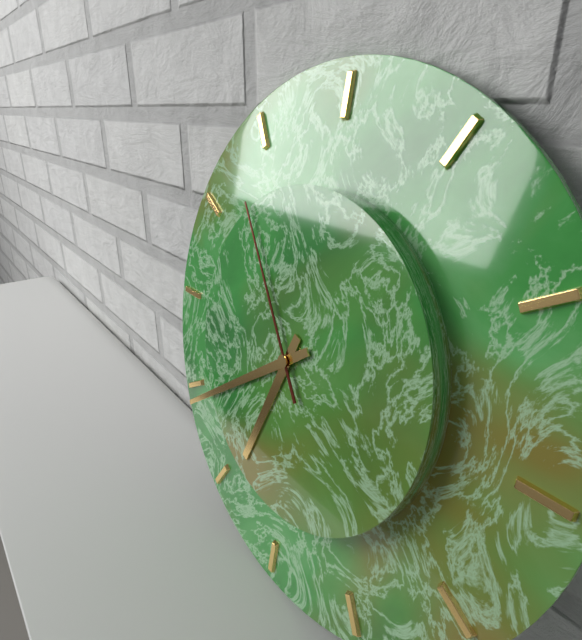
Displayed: 6h39m54s
